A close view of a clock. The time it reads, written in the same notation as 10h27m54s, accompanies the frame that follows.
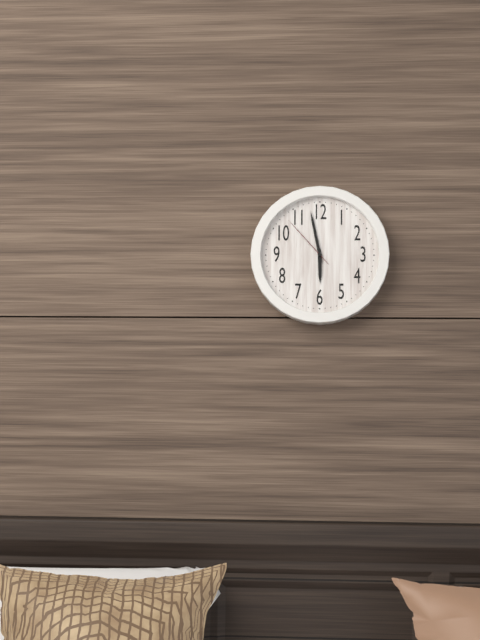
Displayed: 5h58m53s
